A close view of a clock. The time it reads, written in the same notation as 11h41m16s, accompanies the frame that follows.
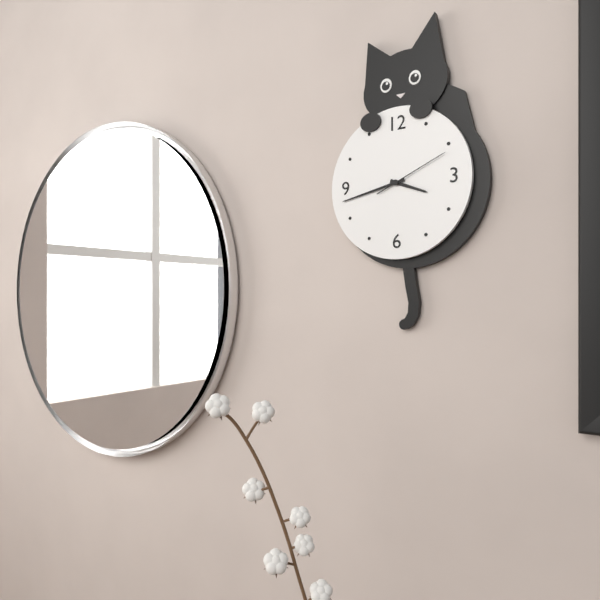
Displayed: 3h43m11s
